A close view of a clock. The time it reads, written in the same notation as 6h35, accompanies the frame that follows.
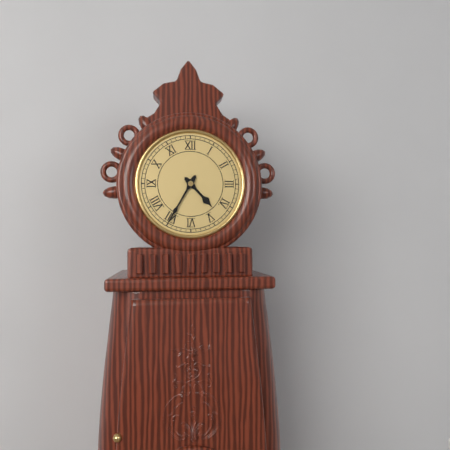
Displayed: 4h35
